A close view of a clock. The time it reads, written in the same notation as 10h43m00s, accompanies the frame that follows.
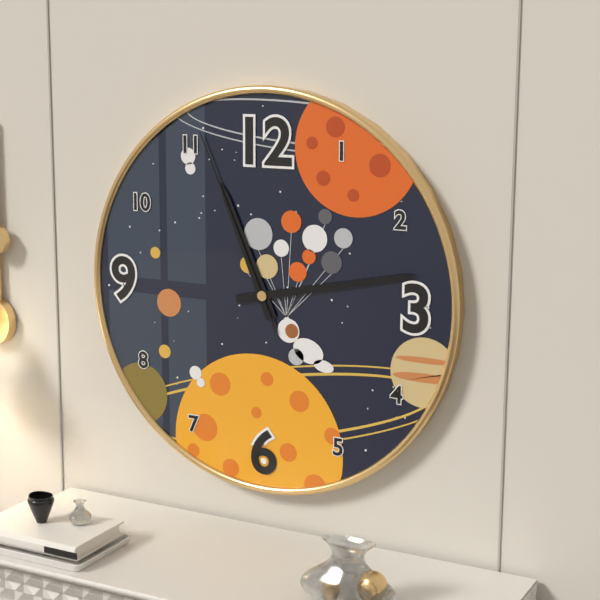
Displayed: 11h13m56s
